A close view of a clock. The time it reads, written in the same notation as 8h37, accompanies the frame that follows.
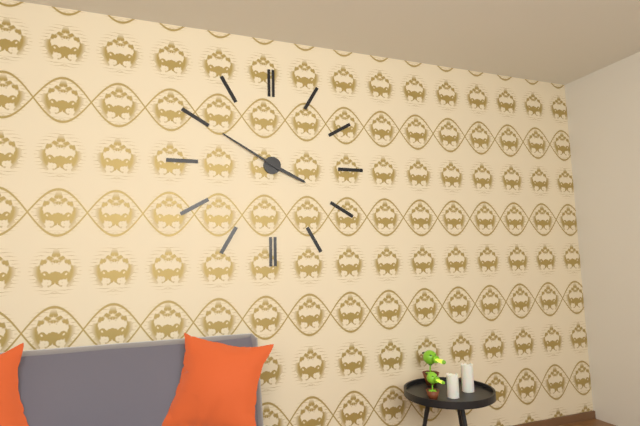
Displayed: 3h50
